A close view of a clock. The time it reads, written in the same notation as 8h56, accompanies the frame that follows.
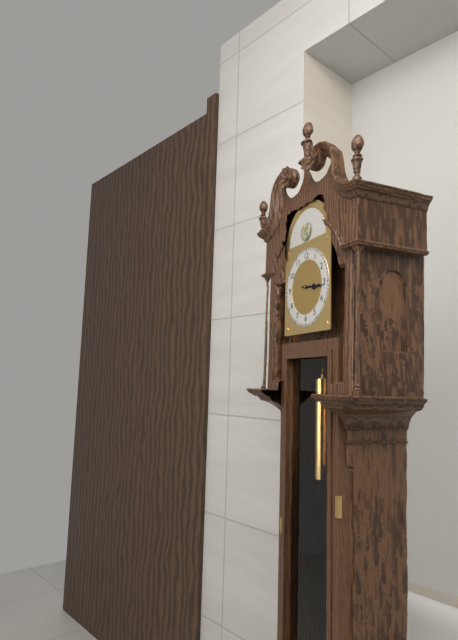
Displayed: 3h16
